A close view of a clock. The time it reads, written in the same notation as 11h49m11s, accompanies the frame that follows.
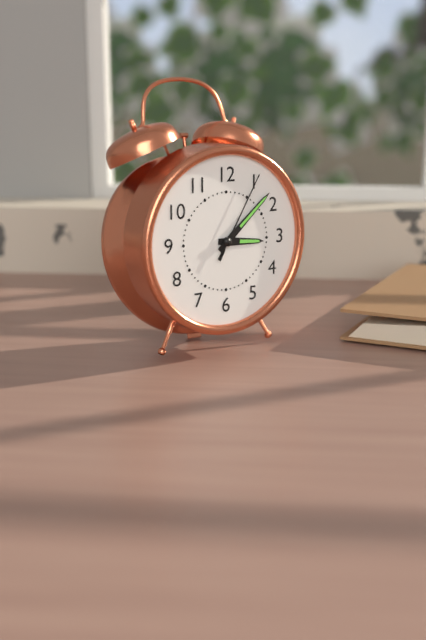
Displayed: 3h08m05s
